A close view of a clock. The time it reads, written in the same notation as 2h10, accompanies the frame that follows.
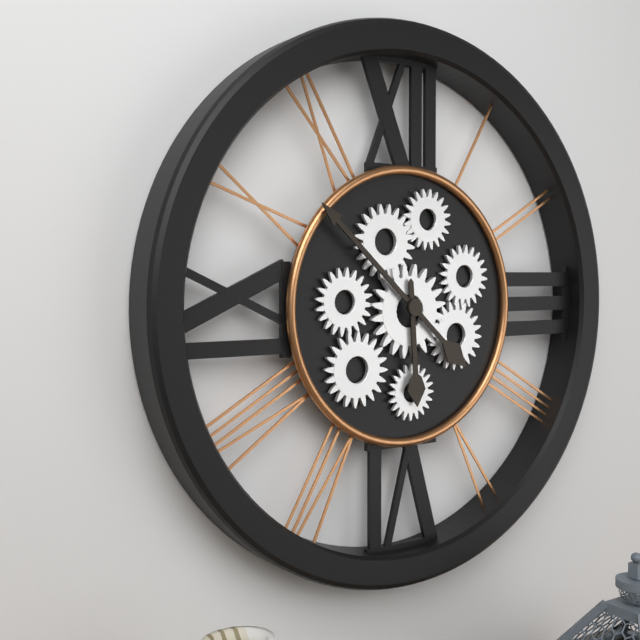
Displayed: 5h52
